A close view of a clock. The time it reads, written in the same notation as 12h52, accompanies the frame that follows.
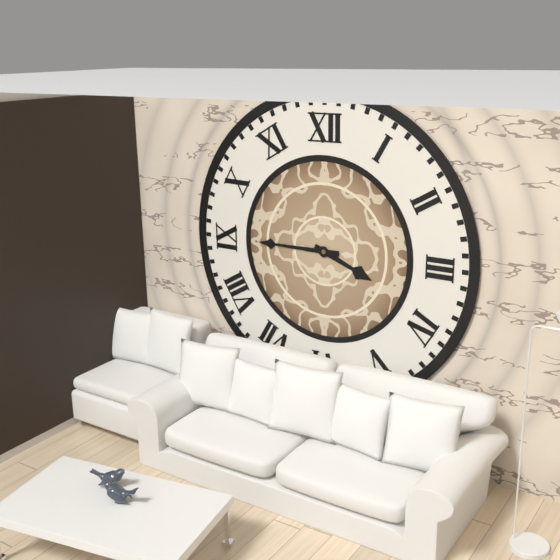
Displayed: 3h45
